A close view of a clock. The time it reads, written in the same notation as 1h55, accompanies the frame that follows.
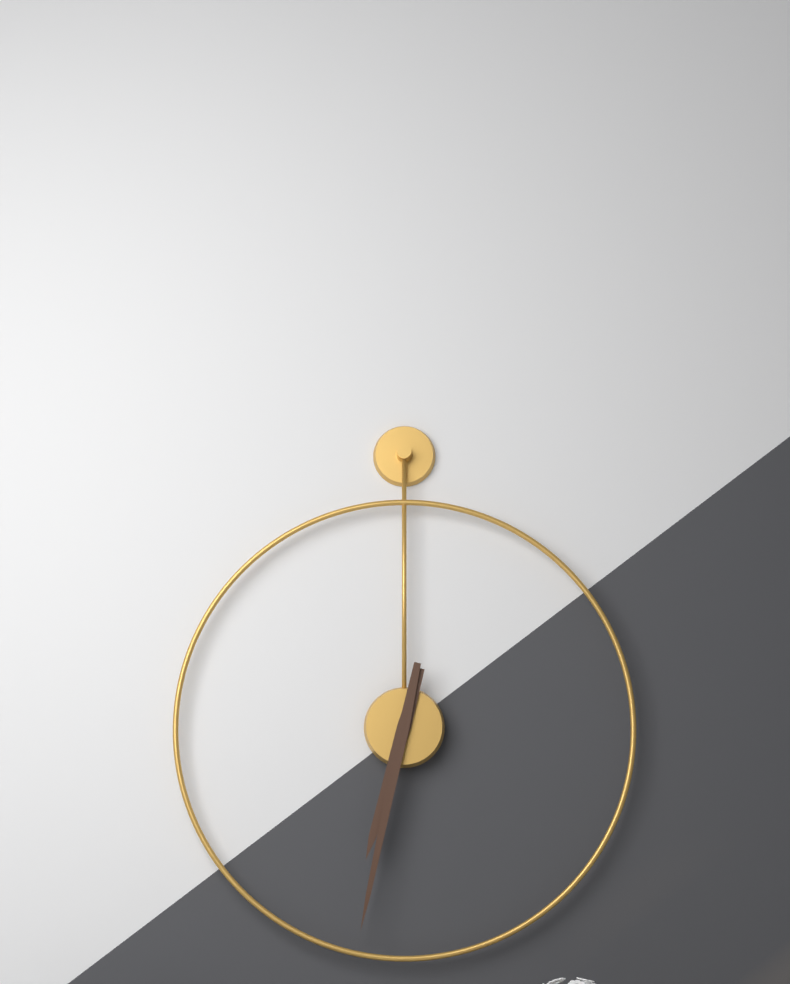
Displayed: 6h32
